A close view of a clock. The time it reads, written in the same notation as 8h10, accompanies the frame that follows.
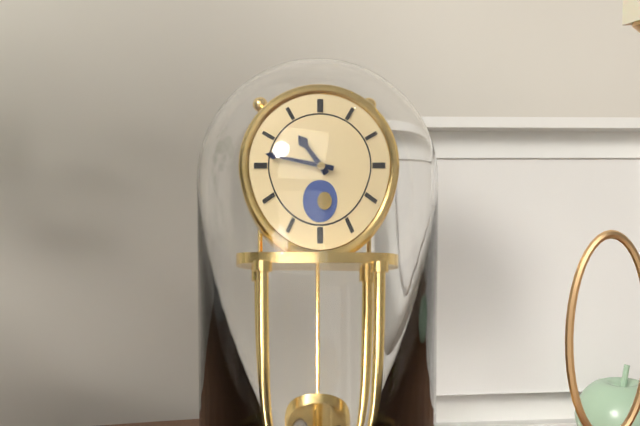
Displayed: 10h47
